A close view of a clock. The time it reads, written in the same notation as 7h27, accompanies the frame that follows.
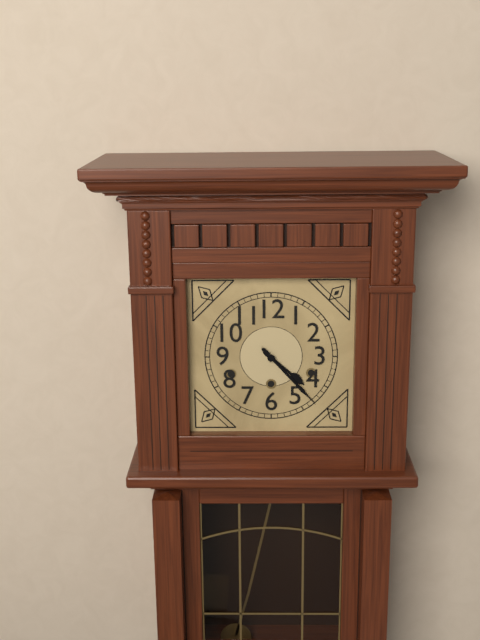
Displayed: 4h23
